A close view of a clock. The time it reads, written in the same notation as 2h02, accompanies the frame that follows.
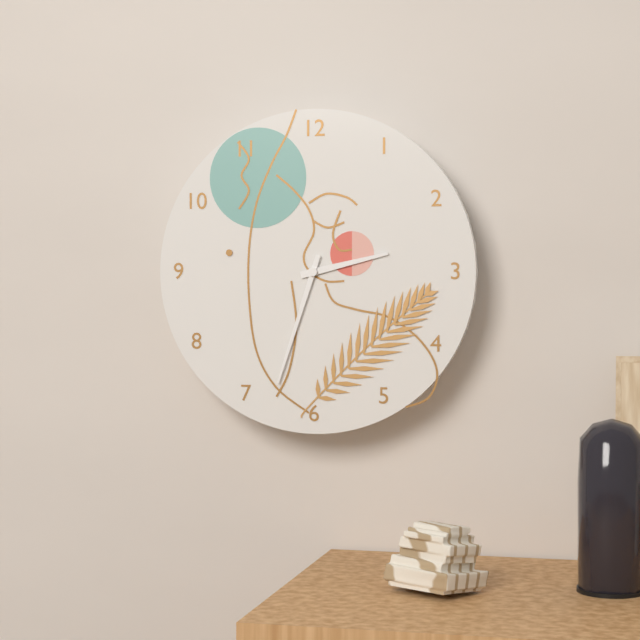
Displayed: 2h33
